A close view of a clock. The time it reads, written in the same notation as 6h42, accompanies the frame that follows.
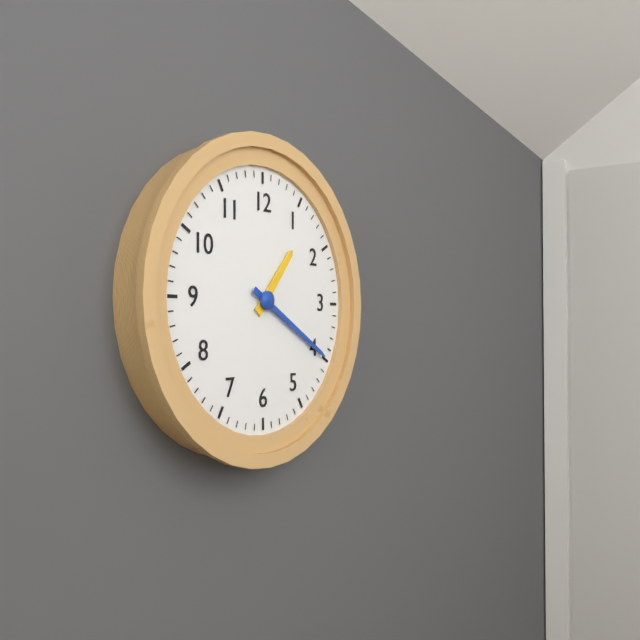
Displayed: 1h20
